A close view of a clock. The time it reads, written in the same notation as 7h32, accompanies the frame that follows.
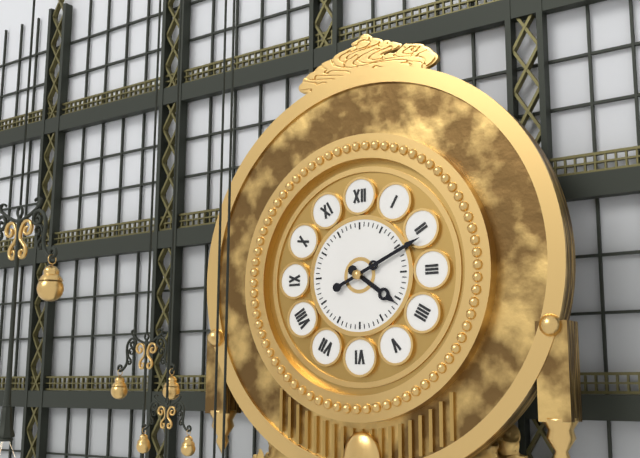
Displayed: 4h11
